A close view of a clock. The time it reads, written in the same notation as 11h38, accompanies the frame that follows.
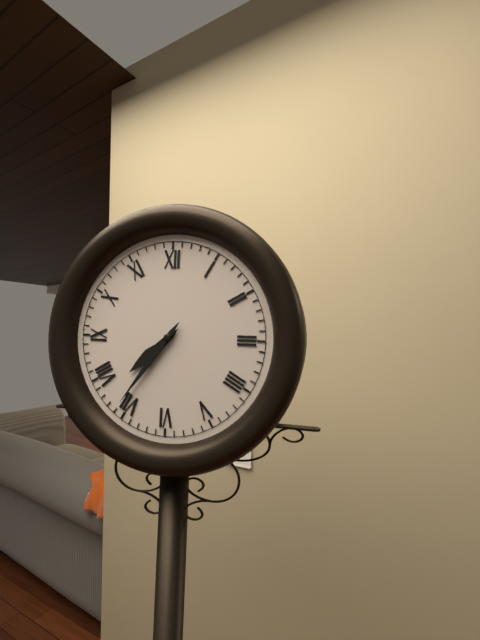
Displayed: 7h36
